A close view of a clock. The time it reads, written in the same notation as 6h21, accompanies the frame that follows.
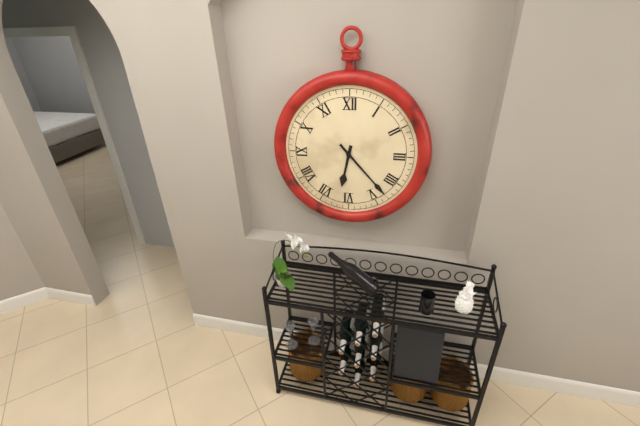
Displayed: 6h23
